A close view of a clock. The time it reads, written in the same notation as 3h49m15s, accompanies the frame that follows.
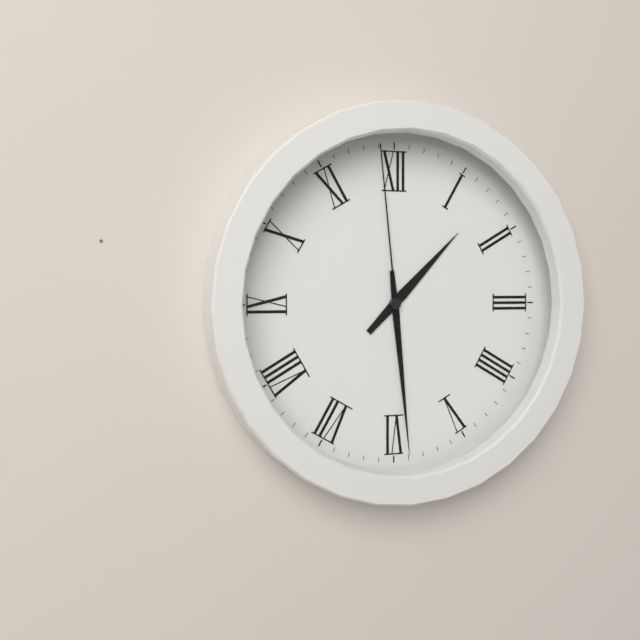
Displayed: 1h29m59s
